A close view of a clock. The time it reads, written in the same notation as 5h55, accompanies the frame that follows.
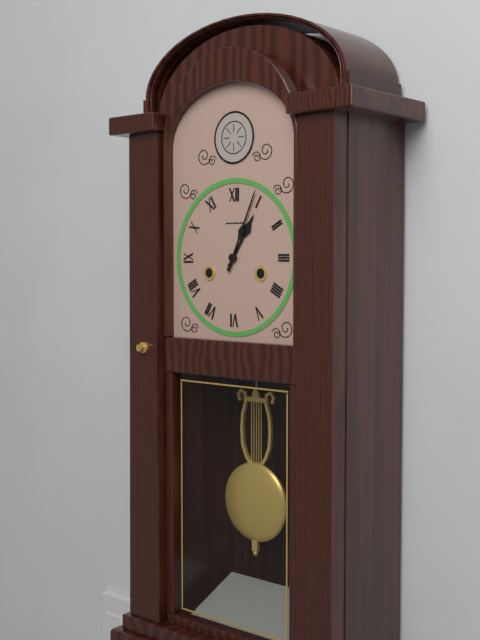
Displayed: 1h04
